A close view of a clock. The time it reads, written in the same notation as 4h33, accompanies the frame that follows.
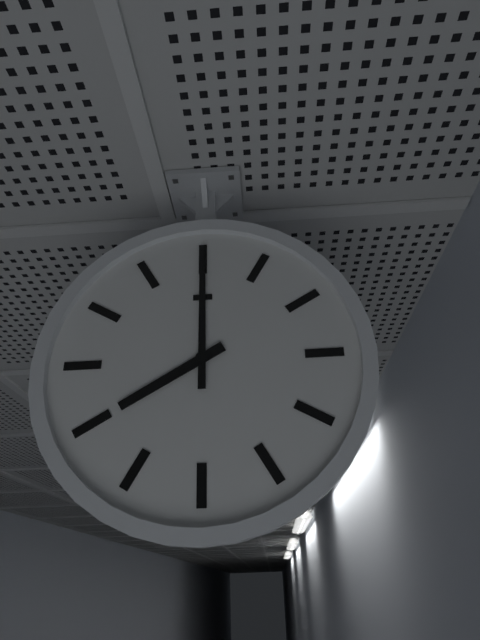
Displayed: 8h00
